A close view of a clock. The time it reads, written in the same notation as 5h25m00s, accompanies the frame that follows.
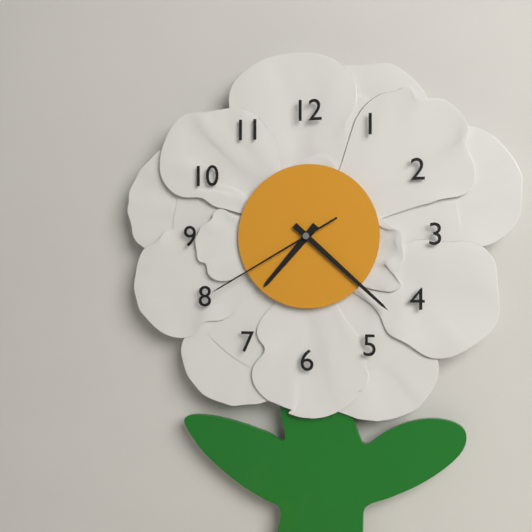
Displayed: 7h22m40s
